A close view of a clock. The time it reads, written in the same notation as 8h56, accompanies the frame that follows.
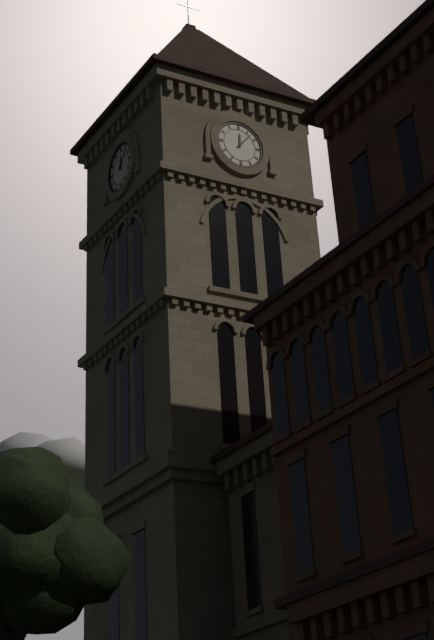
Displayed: 12h07
